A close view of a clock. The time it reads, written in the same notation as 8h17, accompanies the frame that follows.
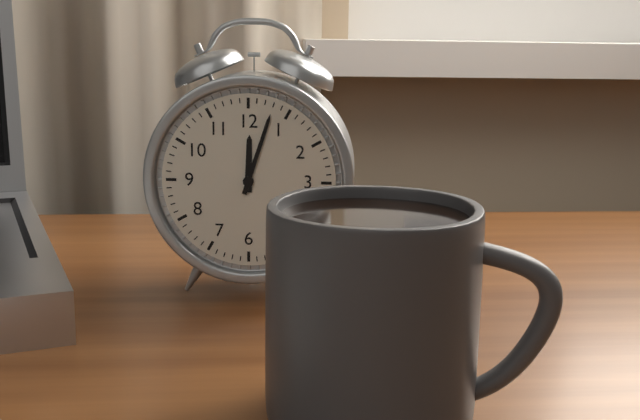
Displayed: 12h03
